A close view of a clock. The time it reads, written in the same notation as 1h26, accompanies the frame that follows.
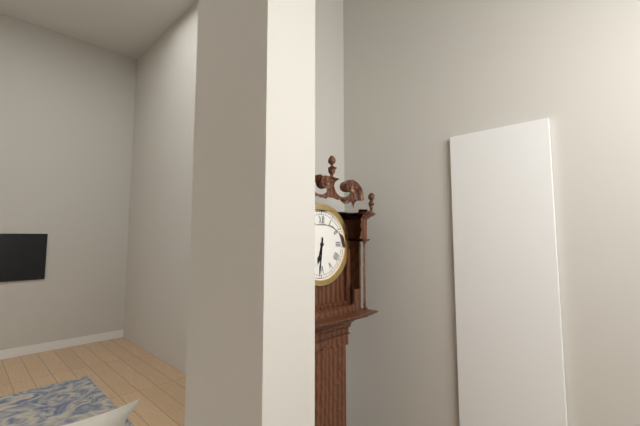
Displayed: 6h31
